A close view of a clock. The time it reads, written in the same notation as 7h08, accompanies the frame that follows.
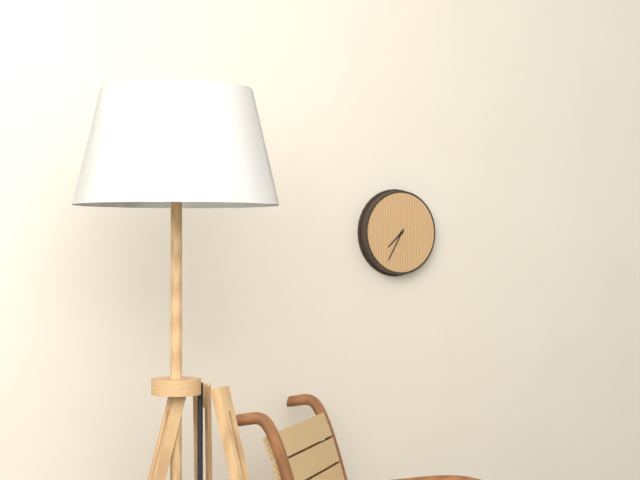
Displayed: 7h35
